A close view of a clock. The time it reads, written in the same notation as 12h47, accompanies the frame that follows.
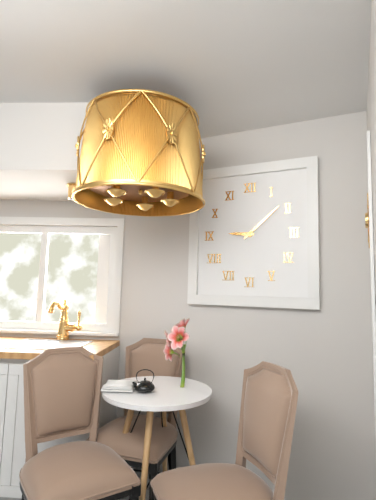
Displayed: 9h08
